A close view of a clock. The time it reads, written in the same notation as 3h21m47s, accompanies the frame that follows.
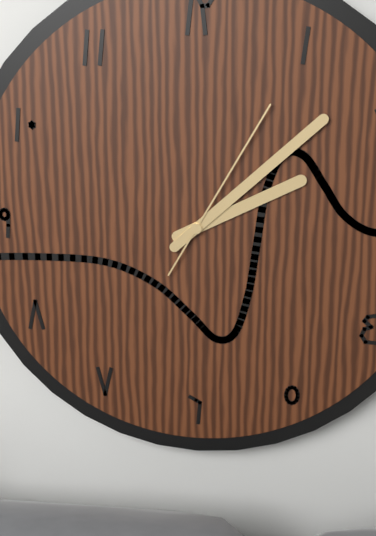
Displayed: 2h08m05s
